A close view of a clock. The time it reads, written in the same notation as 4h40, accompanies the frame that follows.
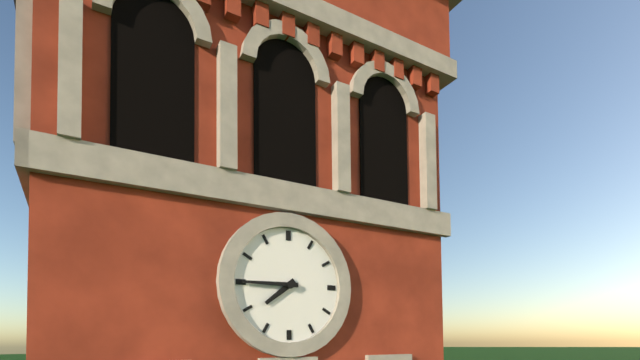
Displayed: 7h45
